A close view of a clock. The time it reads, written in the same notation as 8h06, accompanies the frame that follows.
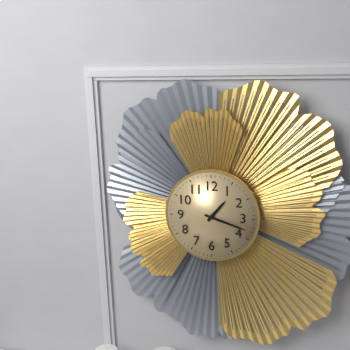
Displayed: 1h18
